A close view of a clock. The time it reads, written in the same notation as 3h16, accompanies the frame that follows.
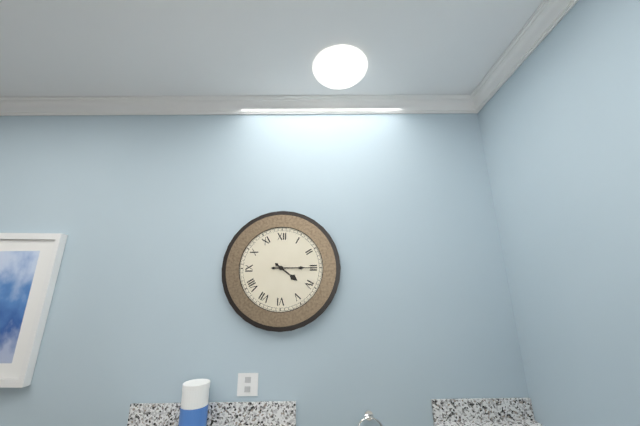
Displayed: 4h15
